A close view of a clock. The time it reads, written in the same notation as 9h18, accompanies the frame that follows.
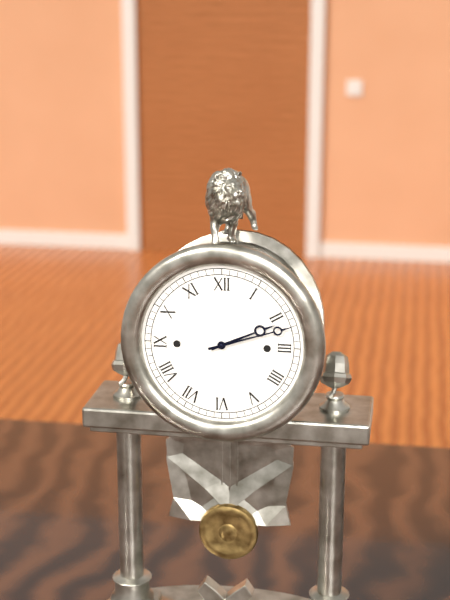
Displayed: 2h12
